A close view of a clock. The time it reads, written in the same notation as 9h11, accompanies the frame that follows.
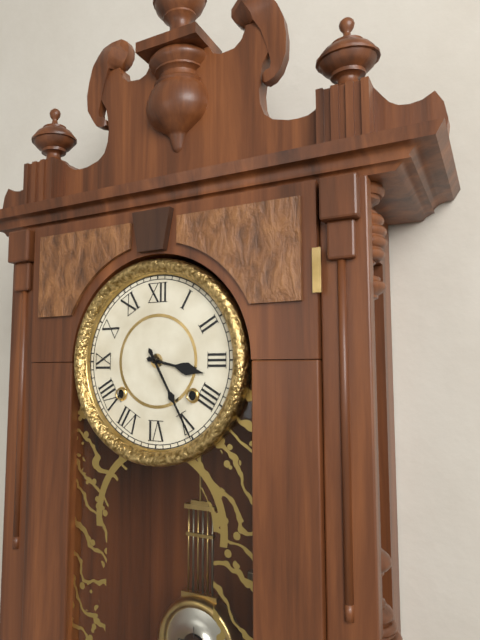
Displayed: 3h25
